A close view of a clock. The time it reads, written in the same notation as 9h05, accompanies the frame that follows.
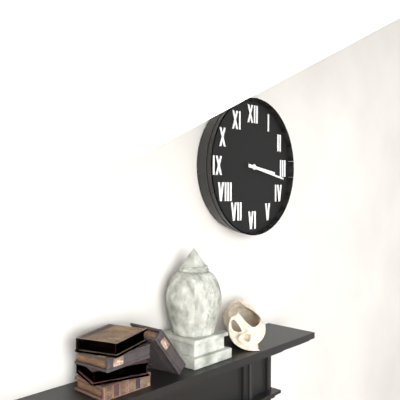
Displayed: 3h17
